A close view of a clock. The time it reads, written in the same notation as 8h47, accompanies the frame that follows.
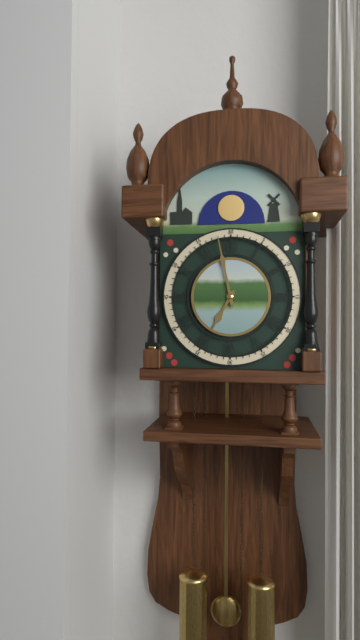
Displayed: 6h58
